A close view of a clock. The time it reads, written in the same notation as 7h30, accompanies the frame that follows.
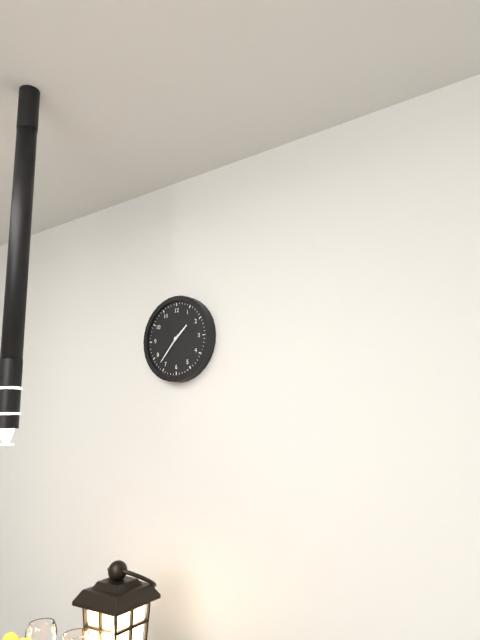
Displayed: 1h37
